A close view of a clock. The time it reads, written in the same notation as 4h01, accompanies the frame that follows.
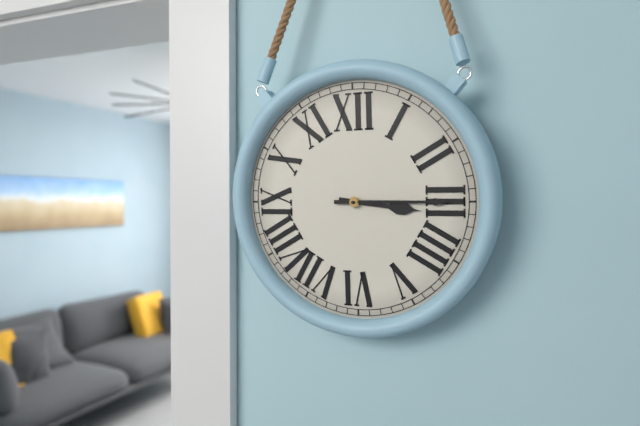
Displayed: 3h15
